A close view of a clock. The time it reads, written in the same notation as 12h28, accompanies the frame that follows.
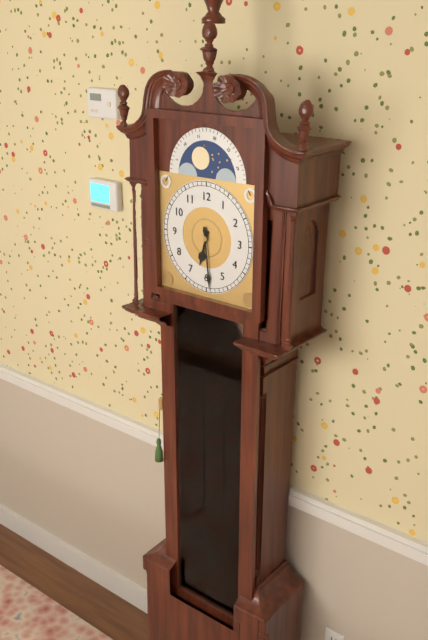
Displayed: 6h29
